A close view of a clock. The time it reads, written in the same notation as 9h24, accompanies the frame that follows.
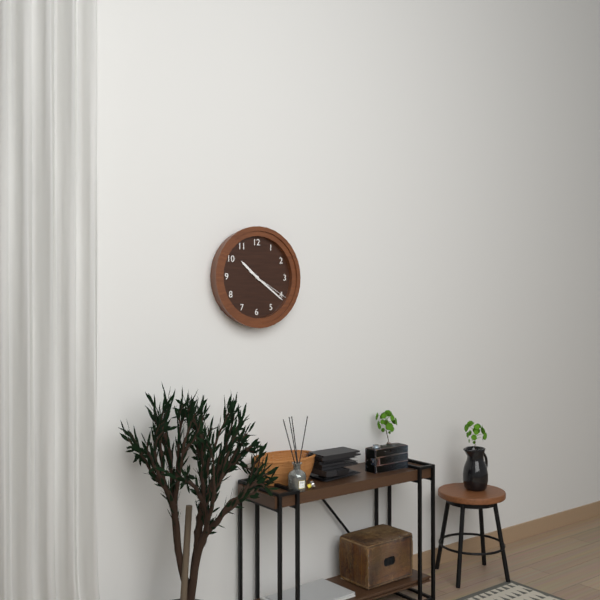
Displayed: 10h21
